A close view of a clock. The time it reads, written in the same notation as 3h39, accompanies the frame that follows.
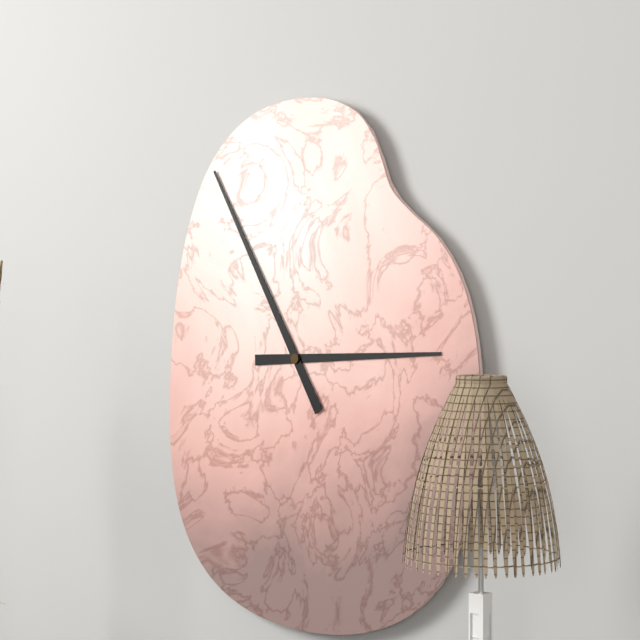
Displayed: 2h55
